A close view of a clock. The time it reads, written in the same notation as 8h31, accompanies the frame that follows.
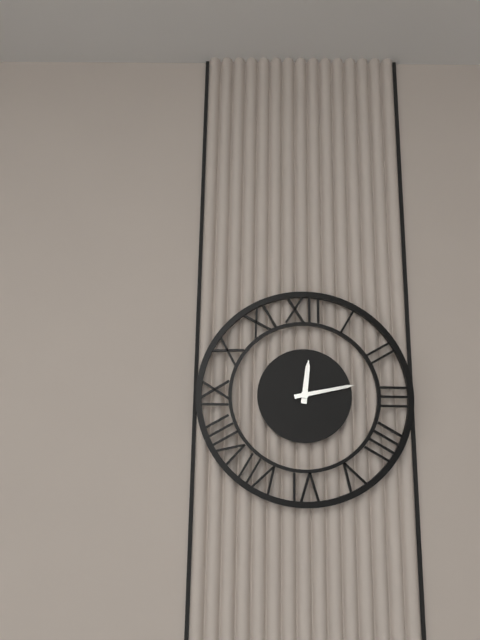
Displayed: 12h13
